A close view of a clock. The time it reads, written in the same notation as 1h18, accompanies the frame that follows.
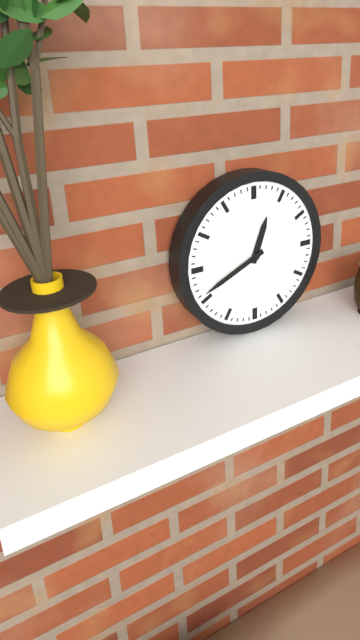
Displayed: 12h41
